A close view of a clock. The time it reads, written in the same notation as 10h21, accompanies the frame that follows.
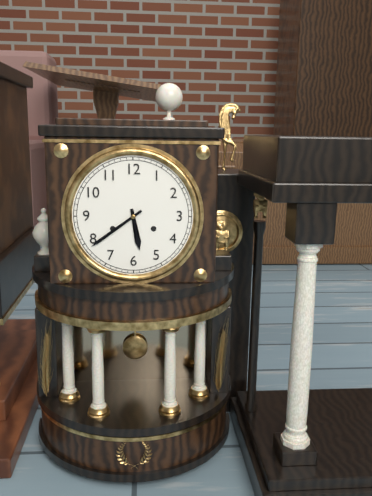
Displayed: 5h39
